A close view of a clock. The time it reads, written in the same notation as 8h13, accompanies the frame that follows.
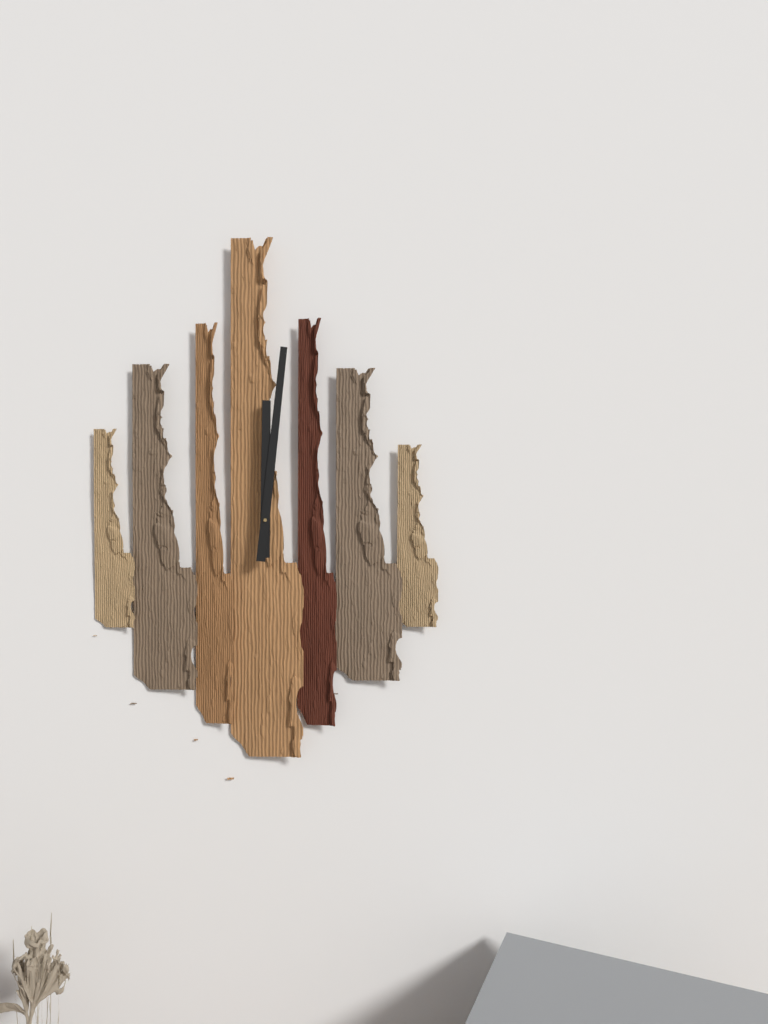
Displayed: 12h01
